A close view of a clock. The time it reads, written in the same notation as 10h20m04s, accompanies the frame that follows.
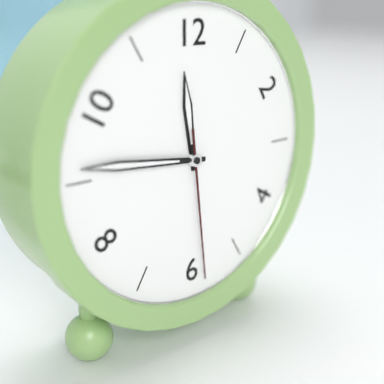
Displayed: 11h46m29s
